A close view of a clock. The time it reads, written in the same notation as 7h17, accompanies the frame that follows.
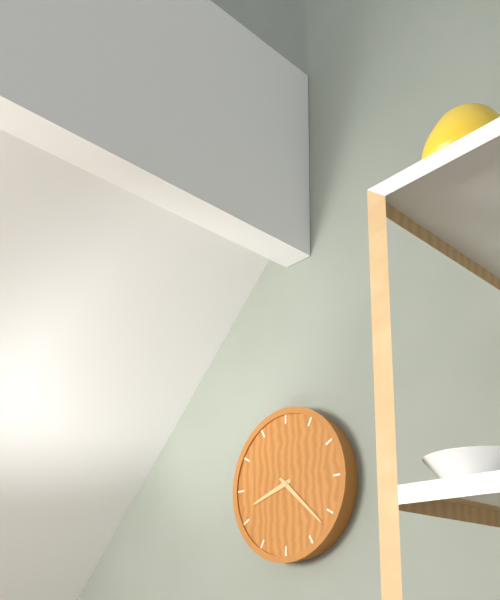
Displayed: 8h22
